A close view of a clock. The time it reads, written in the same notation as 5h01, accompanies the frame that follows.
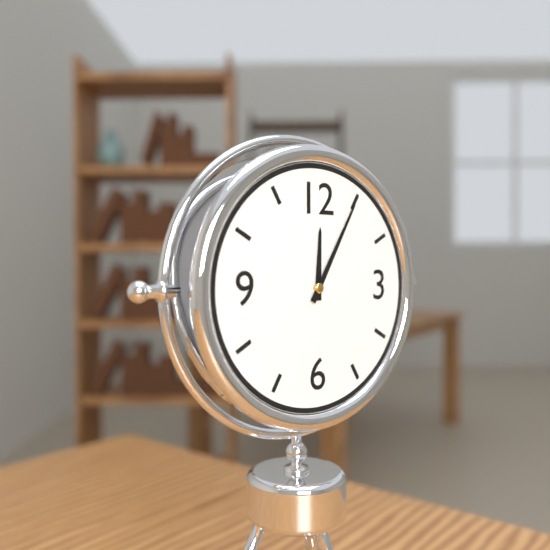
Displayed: 12h05
